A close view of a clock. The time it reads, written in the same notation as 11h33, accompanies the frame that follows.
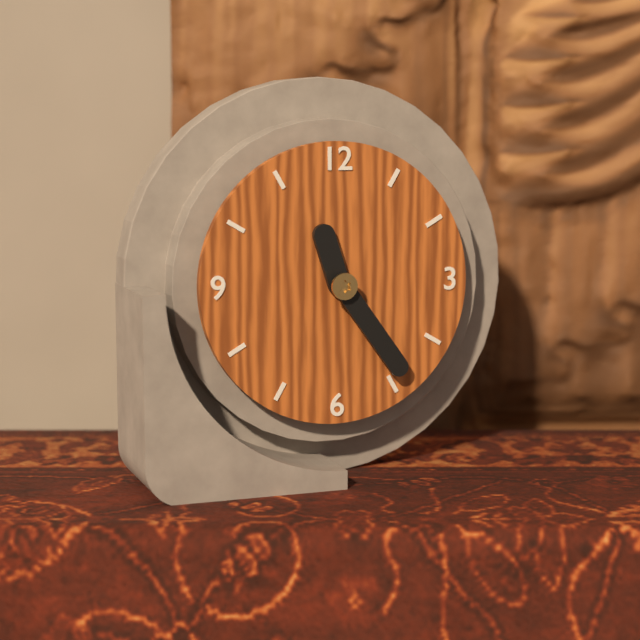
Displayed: 11h24
